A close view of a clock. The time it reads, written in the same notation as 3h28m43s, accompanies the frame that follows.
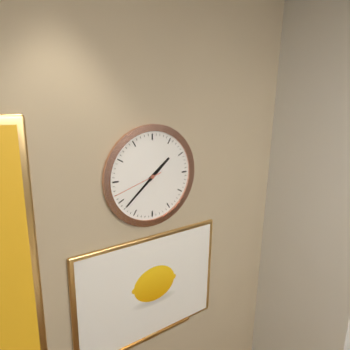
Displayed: 1h38m42s
